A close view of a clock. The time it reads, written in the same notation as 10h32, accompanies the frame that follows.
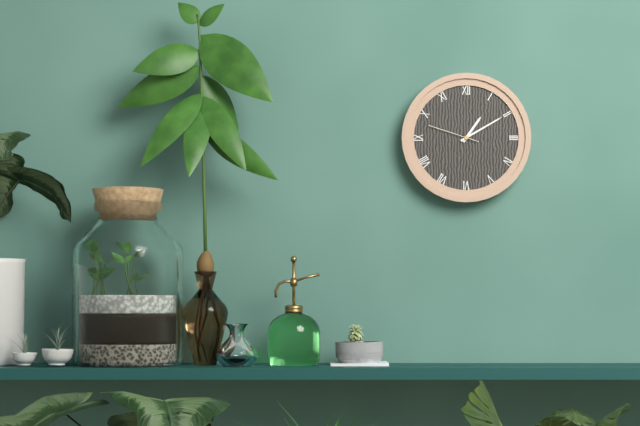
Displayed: 1h10
